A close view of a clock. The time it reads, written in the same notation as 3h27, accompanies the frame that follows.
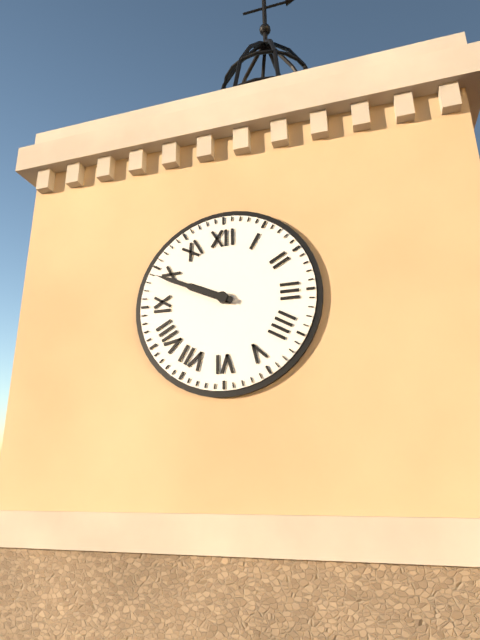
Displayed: 9h49
